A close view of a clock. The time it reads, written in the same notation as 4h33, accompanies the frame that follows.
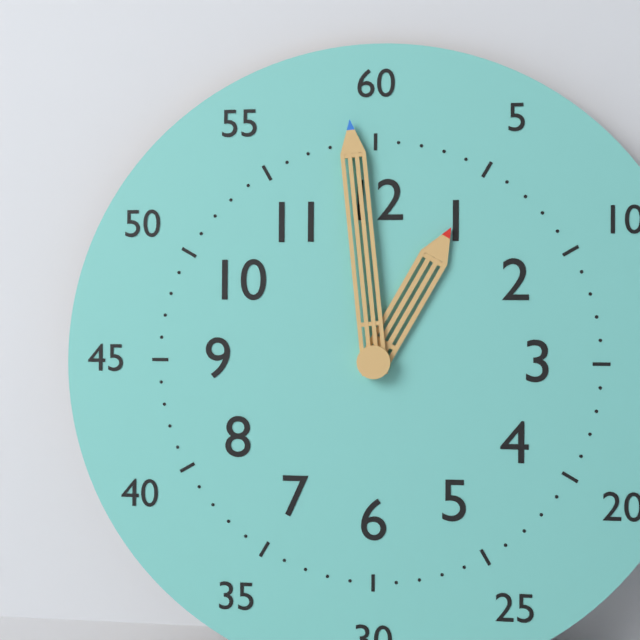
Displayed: 12h59
